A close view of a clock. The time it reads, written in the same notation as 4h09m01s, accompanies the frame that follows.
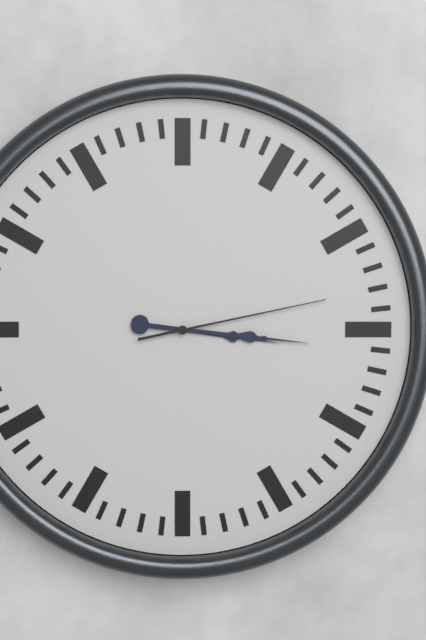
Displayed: 3h16m13s
